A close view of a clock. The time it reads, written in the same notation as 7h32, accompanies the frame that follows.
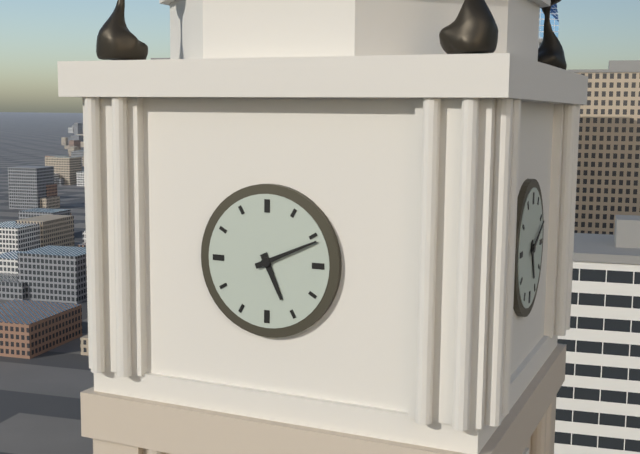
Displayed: 5h11
